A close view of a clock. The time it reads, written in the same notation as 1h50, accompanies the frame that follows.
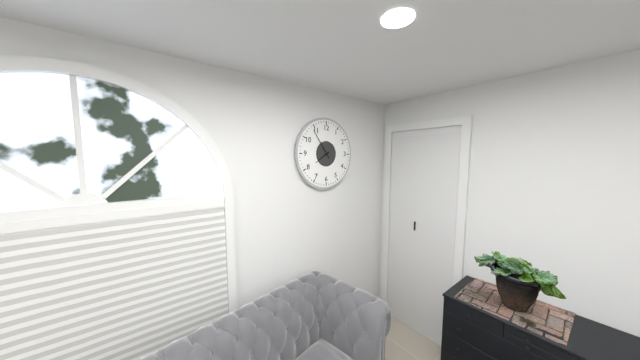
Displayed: 7h54
